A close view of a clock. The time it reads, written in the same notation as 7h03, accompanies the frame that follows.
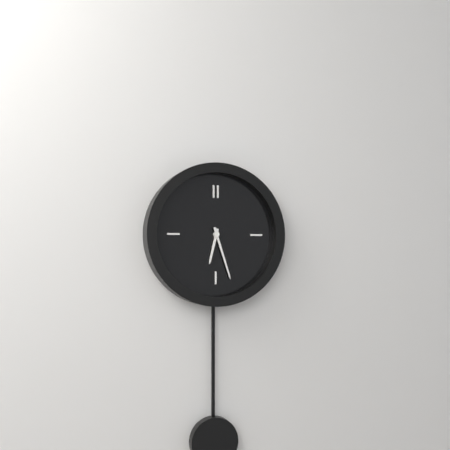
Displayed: 6h27
